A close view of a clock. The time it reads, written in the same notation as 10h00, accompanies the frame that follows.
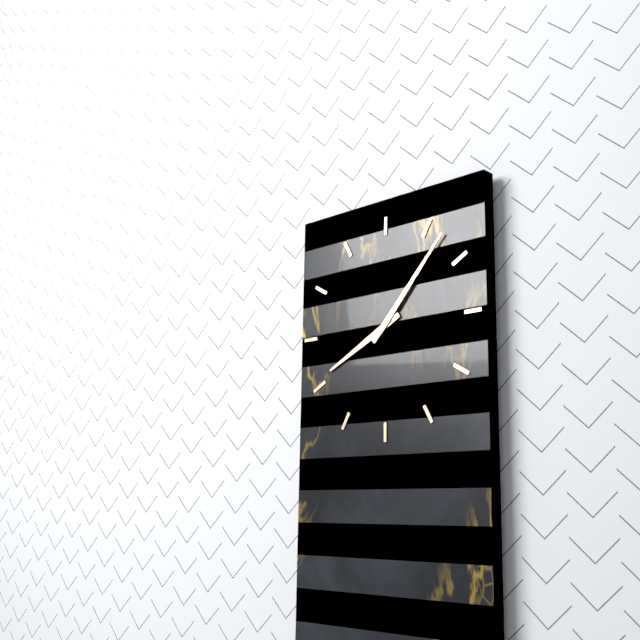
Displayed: 8h07
